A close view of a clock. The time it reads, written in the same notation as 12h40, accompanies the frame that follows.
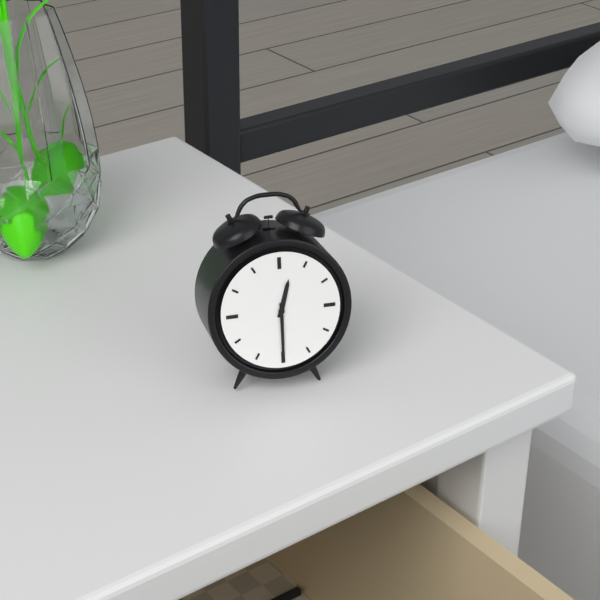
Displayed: 12h30
